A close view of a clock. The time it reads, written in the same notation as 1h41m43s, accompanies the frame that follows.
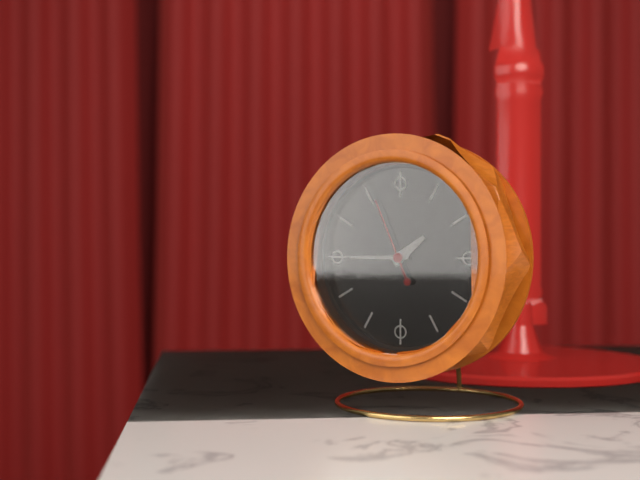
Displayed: 1h45m56s
